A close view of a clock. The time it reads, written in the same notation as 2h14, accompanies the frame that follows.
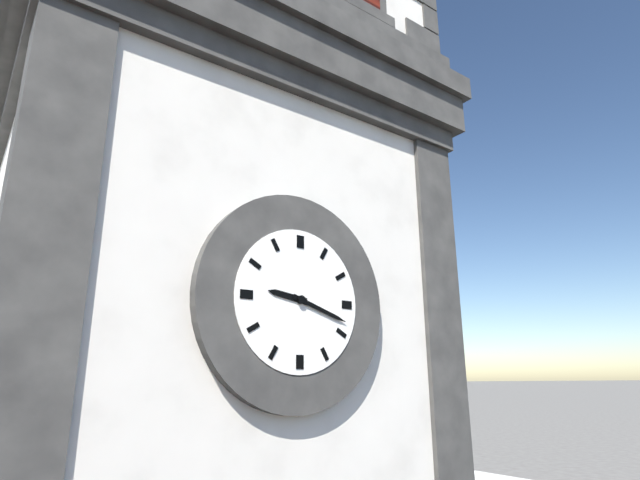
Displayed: 9h18
